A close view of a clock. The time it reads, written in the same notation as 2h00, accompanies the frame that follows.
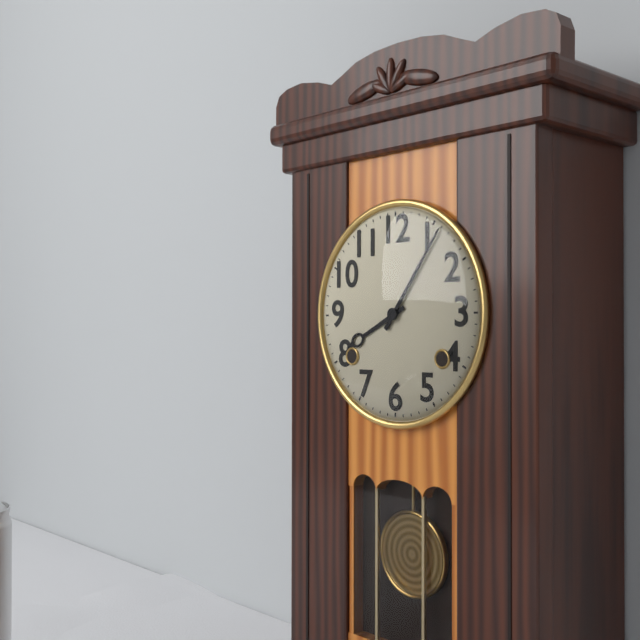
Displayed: 8h06
